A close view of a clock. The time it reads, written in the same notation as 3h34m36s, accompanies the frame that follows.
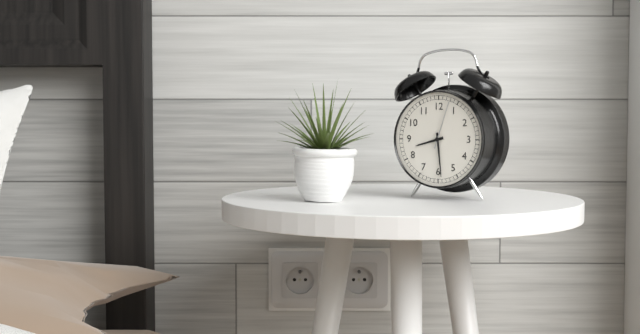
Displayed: 8h29m03s
